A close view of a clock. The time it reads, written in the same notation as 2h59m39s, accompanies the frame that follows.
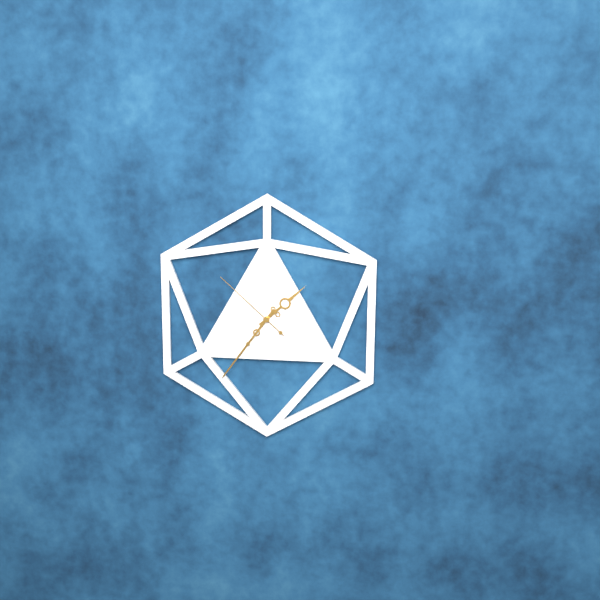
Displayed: 1h36m52s
